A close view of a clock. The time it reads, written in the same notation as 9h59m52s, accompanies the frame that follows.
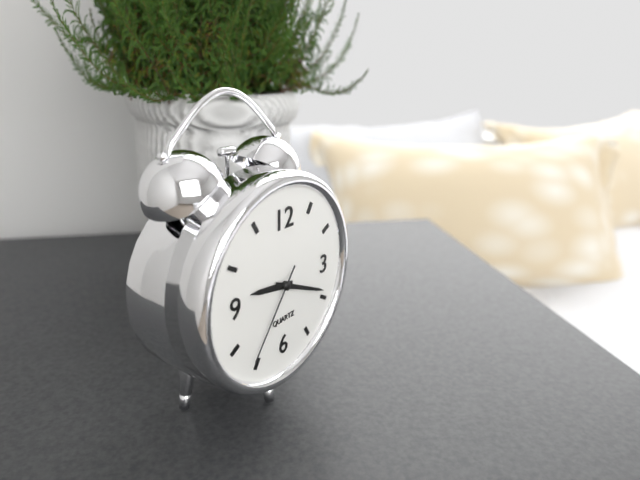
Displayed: 9h19m36s
